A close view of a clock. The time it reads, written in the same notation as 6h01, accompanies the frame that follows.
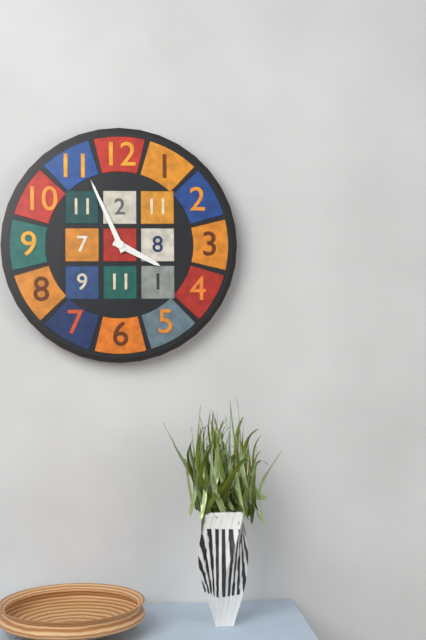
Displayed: 3h56
